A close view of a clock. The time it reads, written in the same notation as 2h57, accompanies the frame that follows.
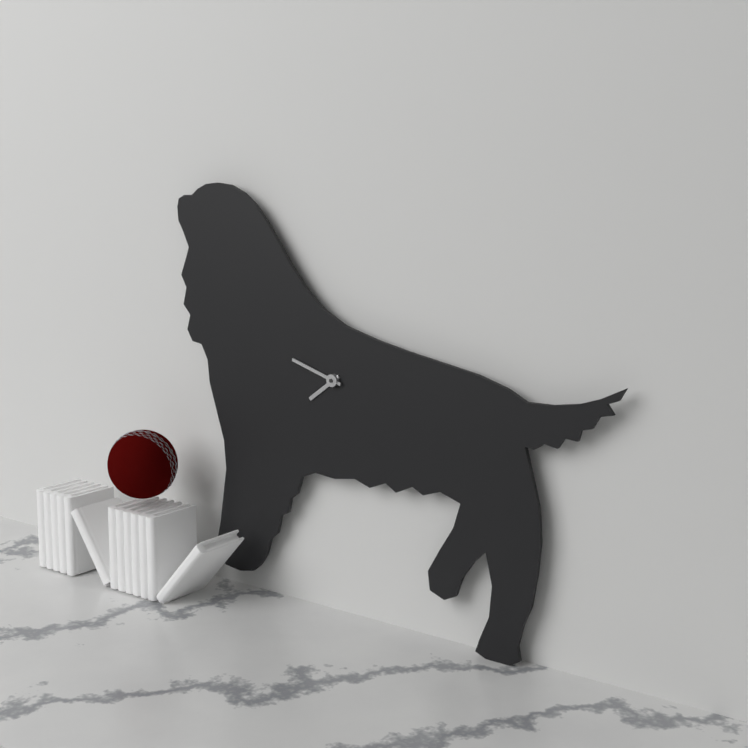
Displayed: 7h48
